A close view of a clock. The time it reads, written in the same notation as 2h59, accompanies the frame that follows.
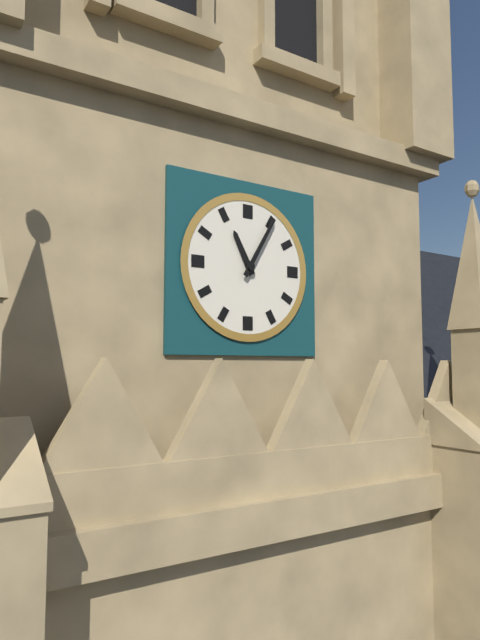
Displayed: 11h05
